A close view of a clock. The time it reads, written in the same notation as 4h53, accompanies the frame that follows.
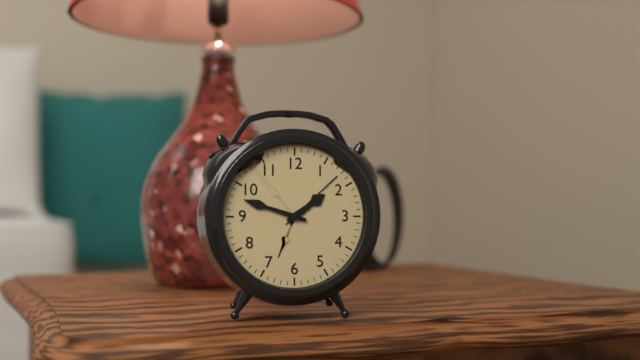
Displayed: 1h48
